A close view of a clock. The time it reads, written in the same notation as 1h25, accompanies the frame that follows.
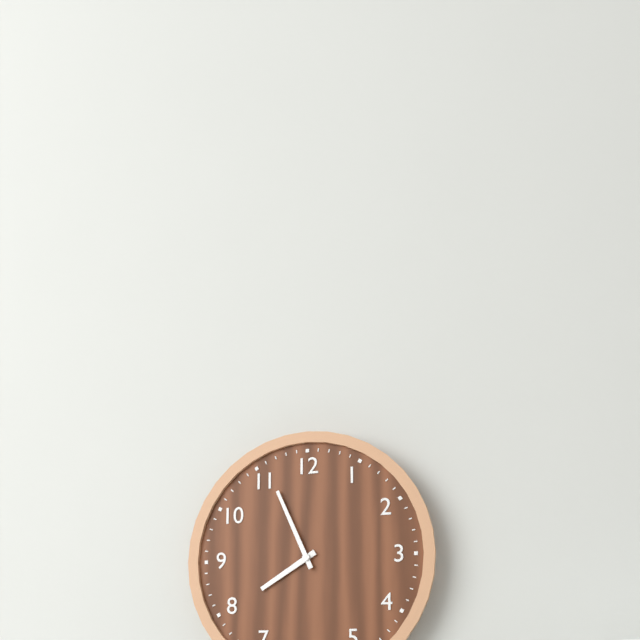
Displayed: 7h56
